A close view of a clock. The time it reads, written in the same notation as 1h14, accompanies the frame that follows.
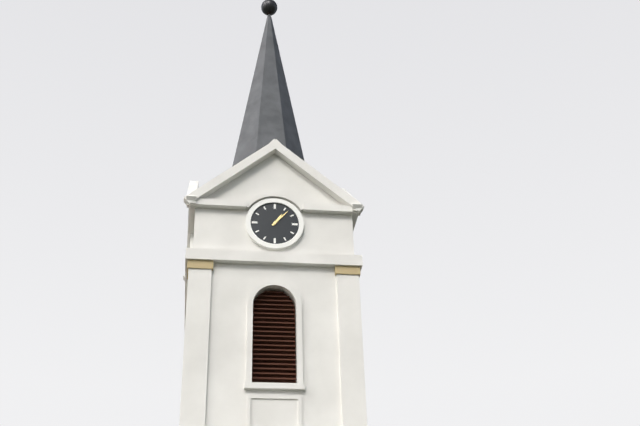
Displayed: 1h07
